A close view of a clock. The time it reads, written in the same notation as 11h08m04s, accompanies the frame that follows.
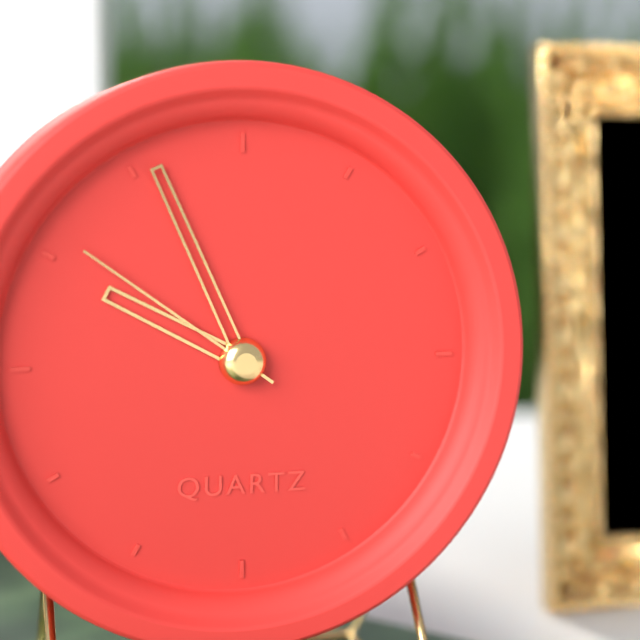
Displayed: 9h56m51s
